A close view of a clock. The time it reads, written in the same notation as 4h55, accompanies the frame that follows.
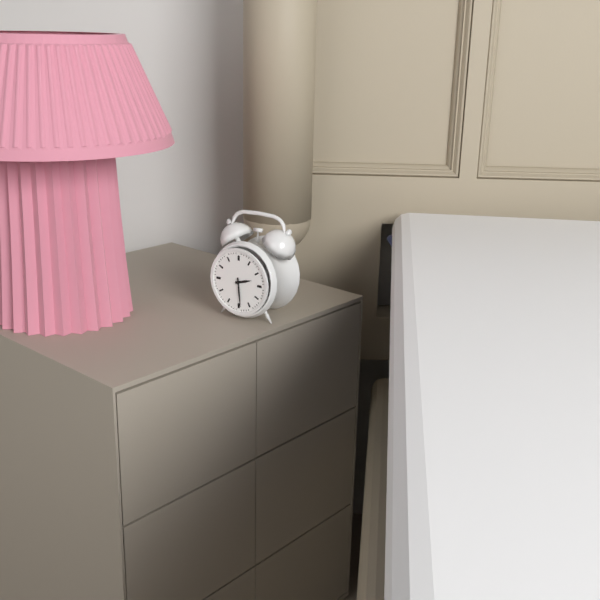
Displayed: 2h29
